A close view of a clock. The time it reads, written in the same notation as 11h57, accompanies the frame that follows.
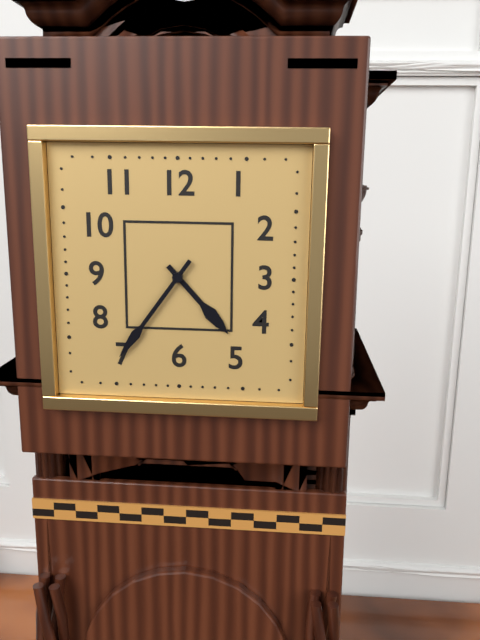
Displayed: 4h36
